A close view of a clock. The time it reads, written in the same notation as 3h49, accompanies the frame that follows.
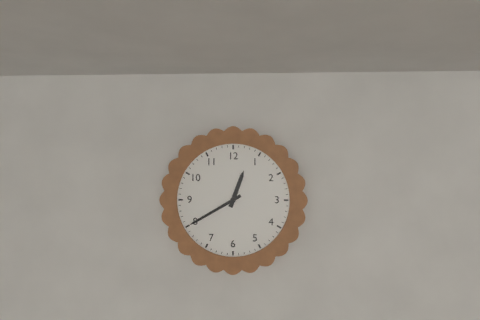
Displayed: 12h40
